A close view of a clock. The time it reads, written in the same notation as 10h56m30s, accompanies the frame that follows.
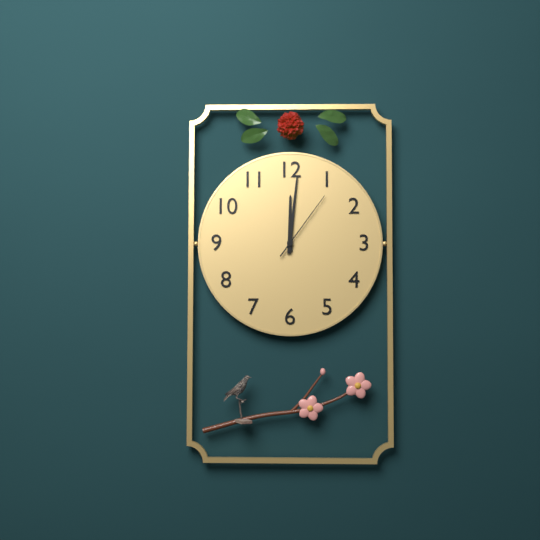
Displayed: 12h01m06s
